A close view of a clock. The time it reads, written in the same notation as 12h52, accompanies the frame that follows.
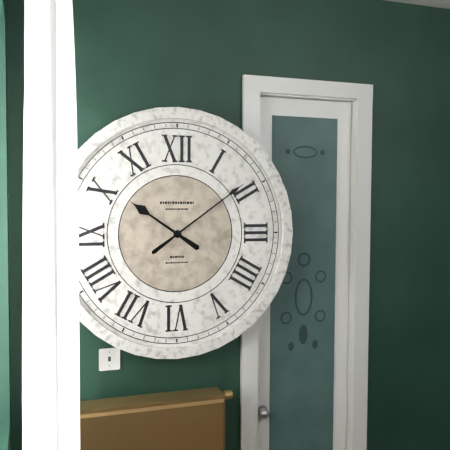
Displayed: 10h09
